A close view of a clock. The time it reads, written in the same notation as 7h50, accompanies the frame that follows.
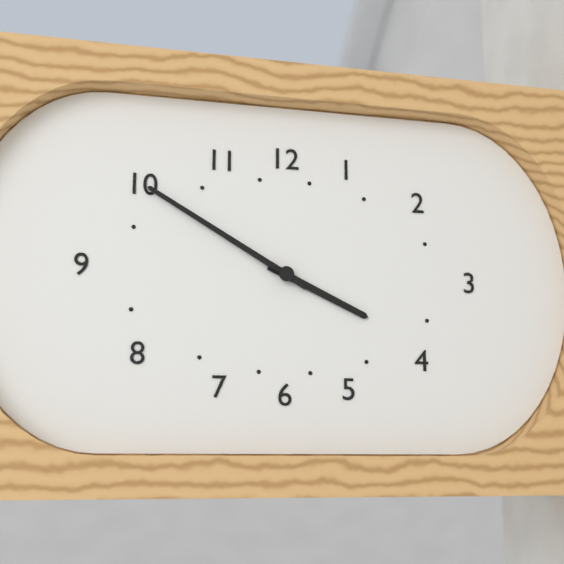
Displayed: 3h50
